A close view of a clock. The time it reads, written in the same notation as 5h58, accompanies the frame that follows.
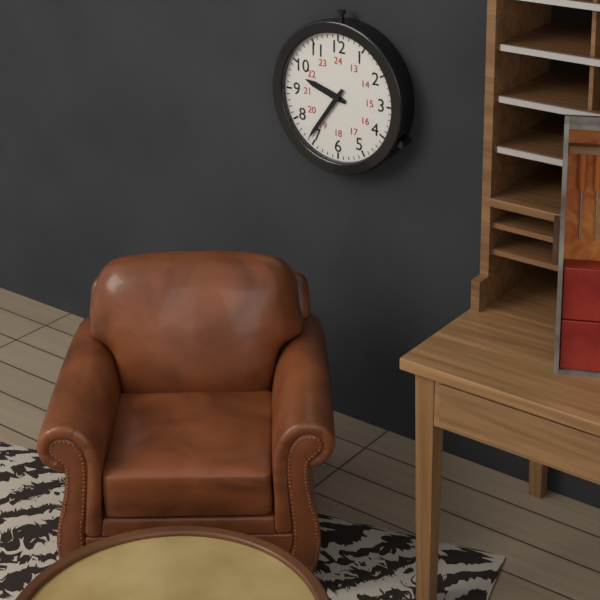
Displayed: 9h36
